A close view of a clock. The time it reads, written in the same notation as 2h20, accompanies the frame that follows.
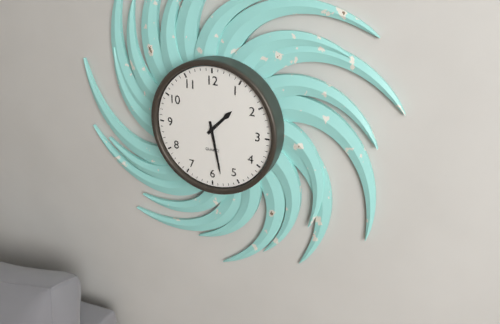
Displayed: 1h28
